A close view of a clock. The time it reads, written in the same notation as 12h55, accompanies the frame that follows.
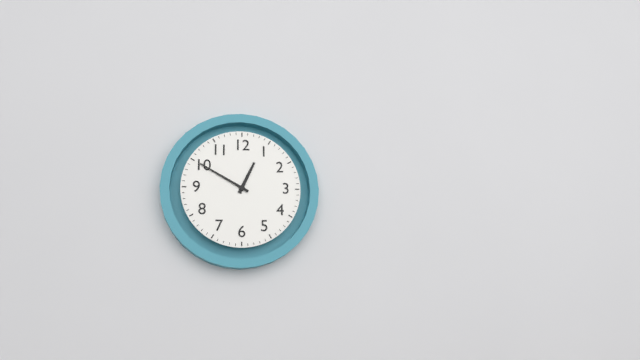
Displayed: 12h50
